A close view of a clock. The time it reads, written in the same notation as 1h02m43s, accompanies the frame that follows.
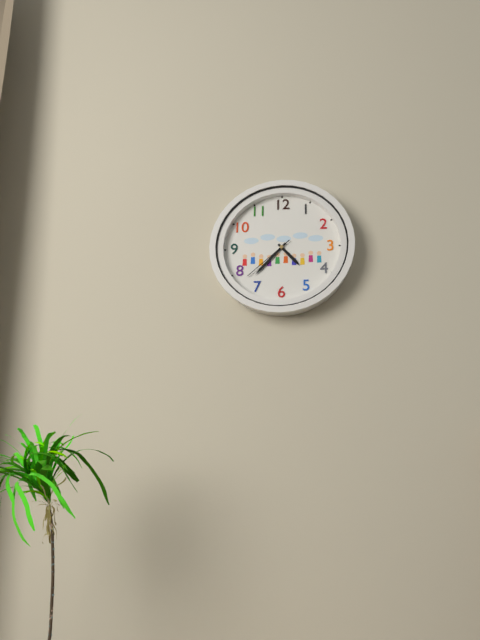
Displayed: 4h37m38s
